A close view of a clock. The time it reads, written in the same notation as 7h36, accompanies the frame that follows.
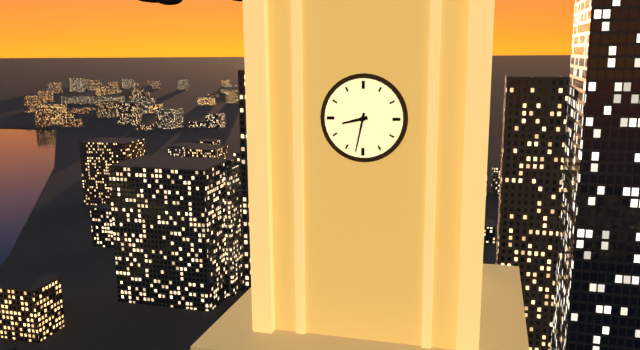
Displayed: 8h32
